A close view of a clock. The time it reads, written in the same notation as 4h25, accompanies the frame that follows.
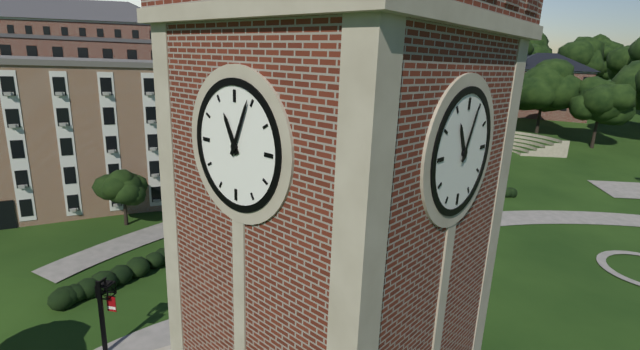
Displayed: 11h04
